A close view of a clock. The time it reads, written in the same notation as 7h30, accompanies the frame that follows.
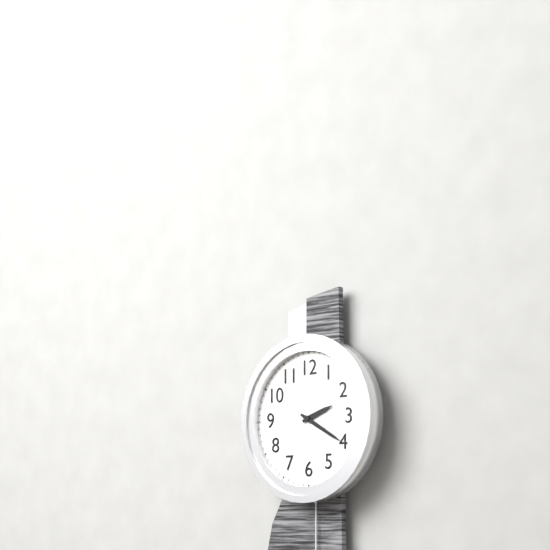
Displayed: 2h20
